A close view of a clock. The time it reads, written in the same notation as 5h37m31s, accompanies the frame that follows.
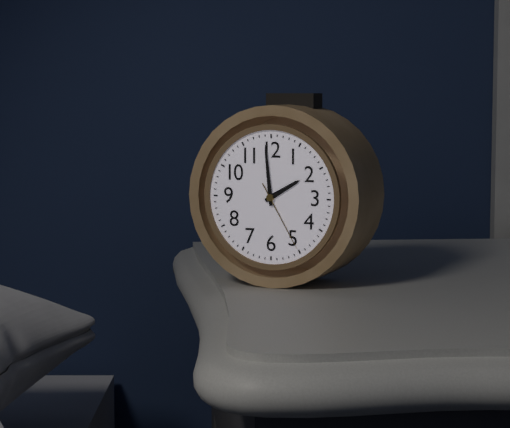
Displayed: 1h59m25s
